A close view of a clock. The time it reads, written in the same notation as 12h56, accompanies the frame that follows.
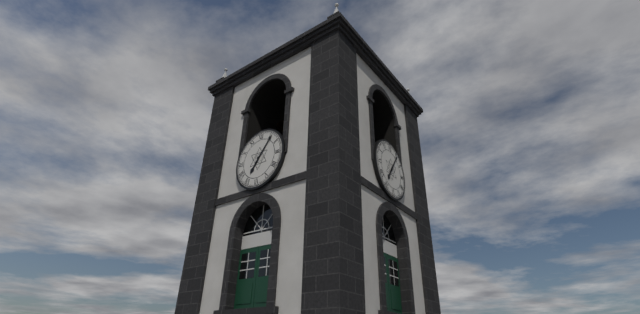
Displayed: 7h06
